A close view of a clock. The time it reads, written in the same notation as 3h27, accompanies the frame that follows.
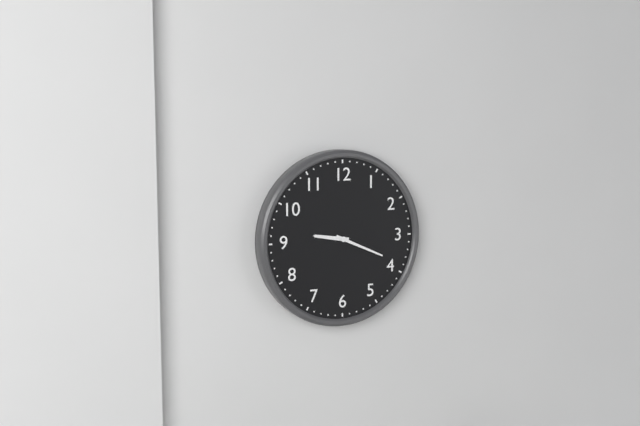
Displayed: 9h19
